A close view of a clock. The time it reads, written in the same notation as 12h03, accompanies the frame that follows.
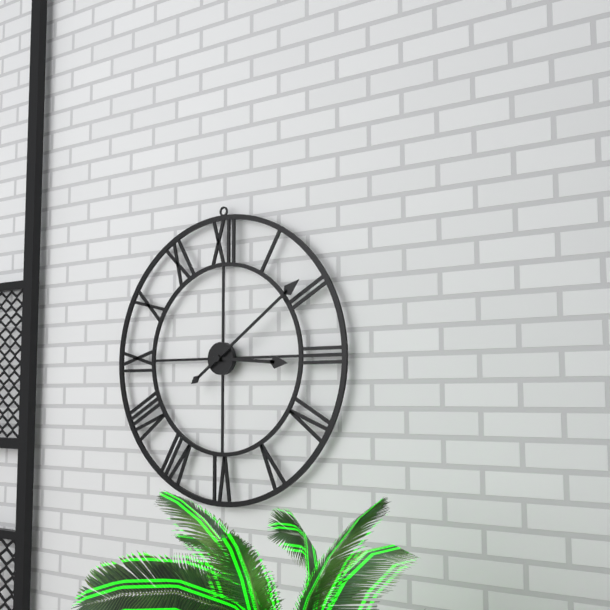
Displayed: 3h09
